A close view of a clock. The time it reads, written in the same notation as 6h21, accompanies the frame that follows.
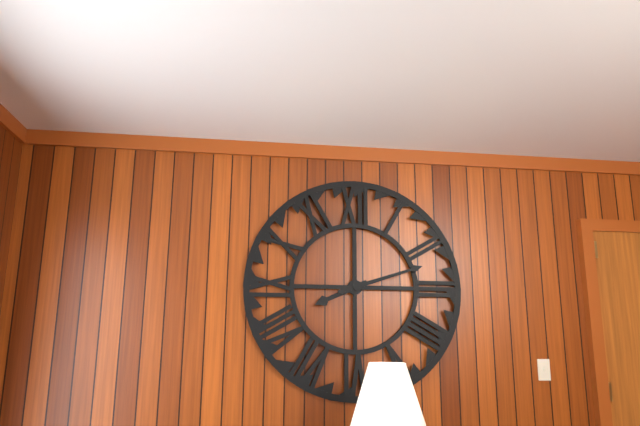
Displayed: 8h12
